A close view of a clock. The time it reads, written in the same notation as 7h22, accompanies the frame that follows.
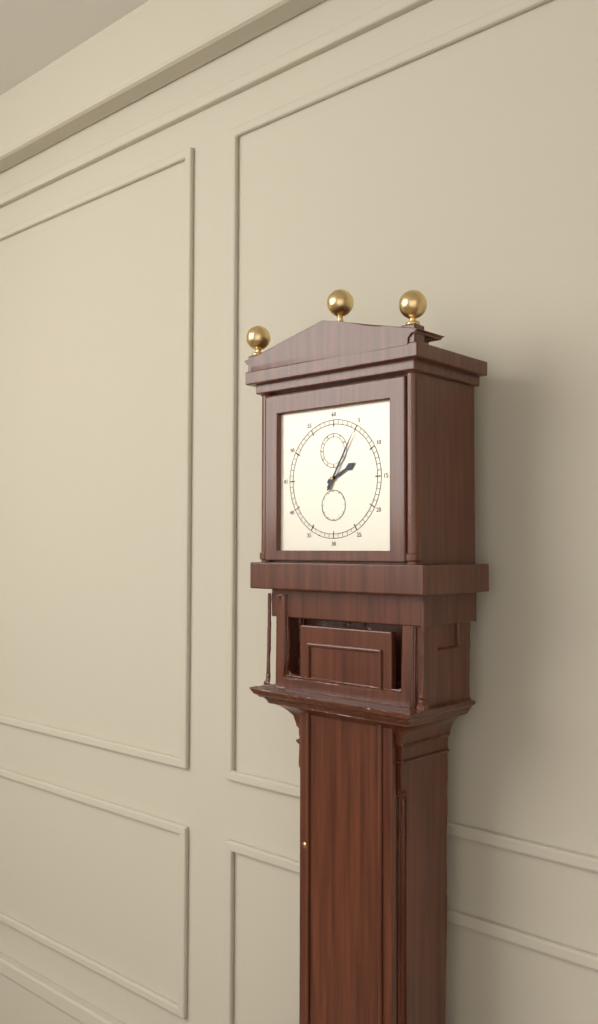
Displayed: 2h05
